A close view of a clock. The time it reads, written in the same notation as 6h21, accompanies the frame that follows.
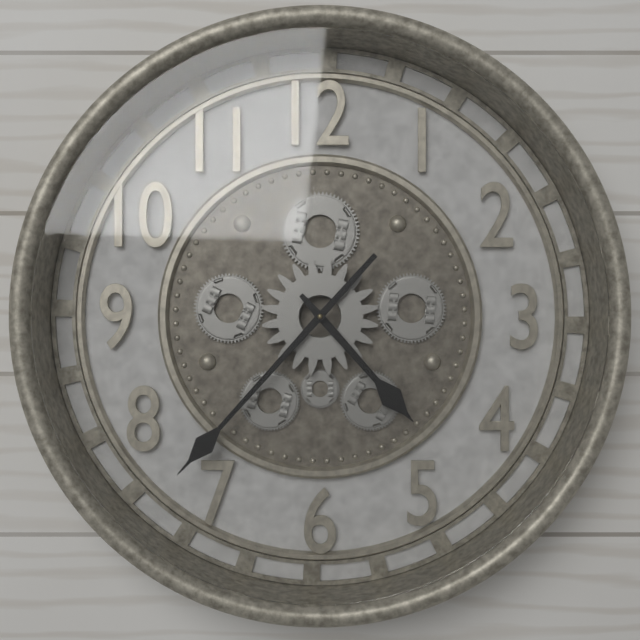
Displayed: 4h37
